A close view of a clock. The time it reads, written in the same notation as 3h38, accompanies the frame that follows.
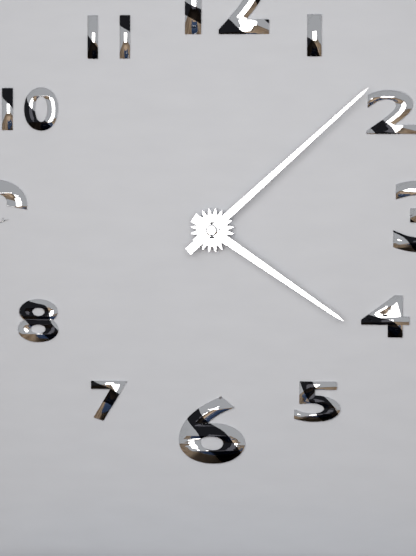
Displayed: 4h08
